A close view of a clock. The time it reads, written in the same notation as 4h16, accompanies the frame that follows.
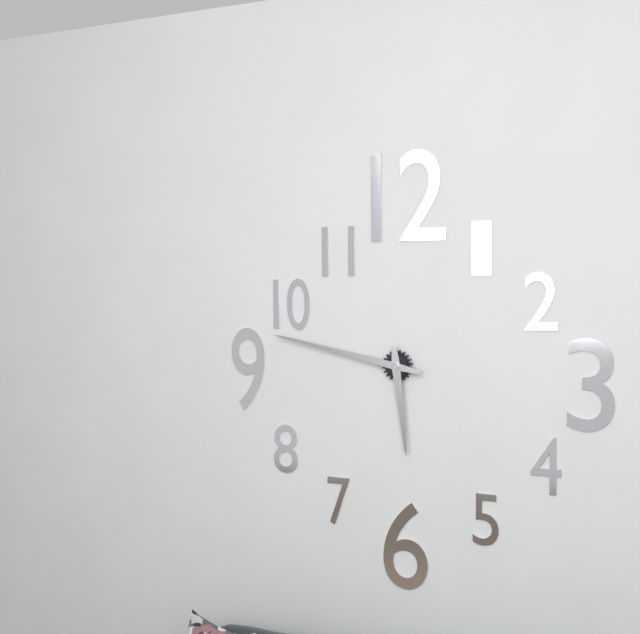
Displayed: 5h47
